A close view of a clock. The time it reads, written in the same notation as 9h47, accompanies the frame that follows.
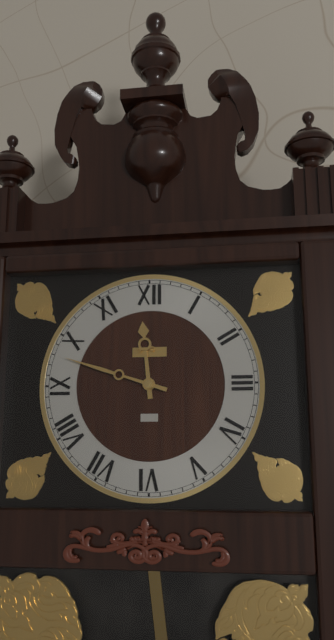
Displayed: 11h48
